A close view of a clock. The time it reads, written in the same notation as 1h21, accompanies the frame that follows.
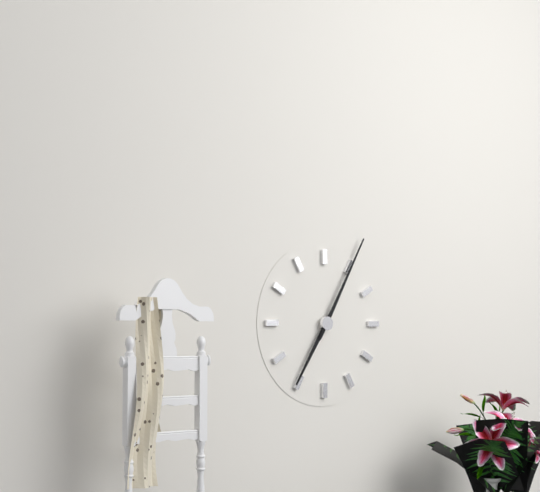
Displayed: 7h05
